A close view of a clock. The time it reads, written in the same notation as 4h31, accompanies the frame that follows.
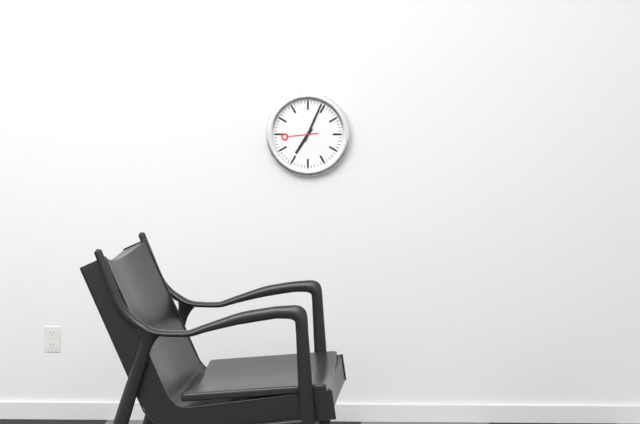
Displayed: 7h04
